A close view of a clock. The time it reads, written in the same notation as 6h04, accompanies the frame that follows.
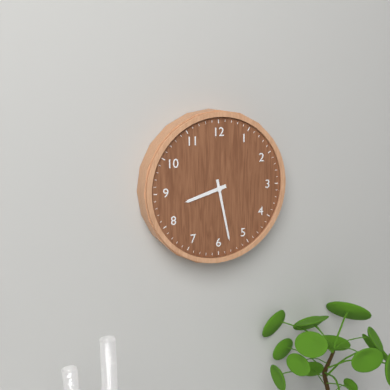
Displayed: 8h28
